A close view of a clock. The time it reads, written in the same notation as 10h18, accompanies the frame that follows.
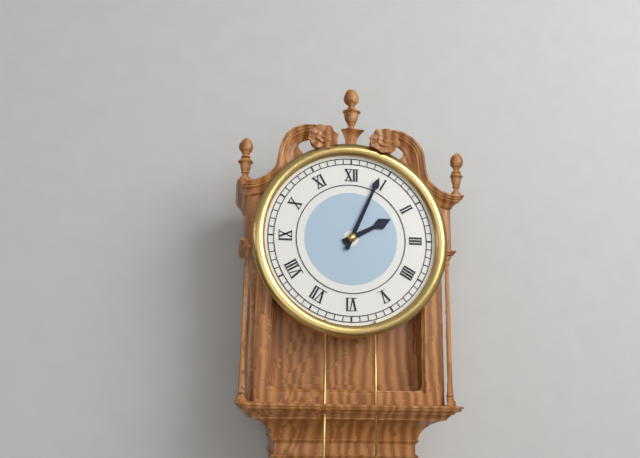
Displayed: 2h04
